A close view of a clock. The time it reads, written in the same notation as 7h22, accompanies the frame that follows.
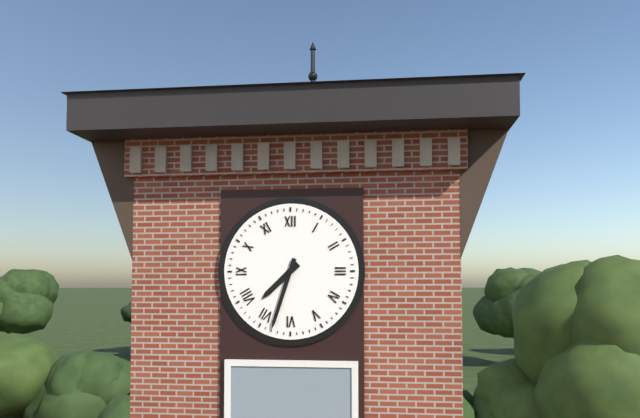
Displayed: 7h33
